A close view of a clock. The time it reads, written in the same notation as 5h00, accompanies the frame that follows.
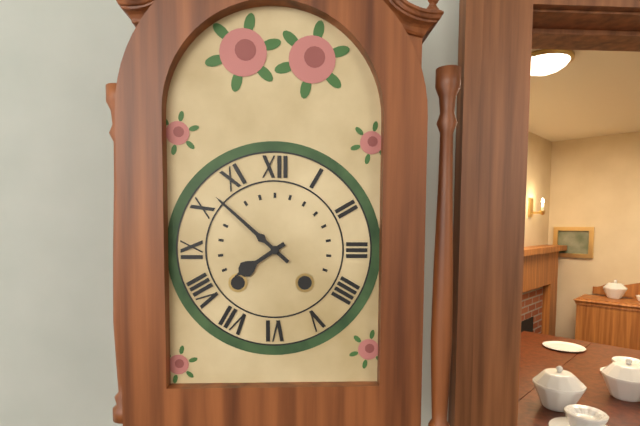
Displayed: 7h52
